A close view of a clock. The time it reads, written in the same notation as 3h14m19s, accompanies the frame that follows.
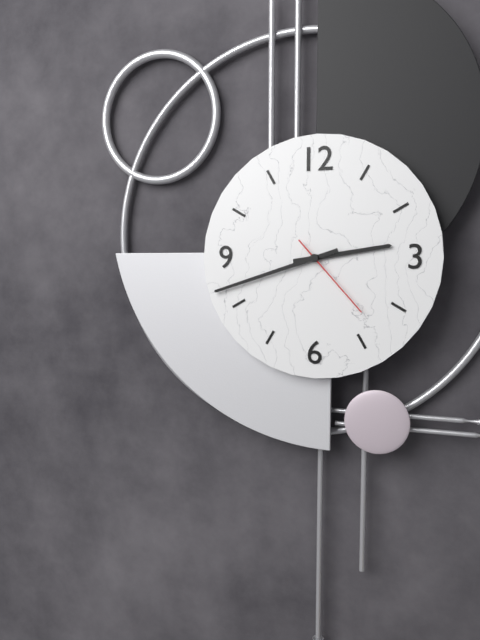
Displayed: 2h42m23s
